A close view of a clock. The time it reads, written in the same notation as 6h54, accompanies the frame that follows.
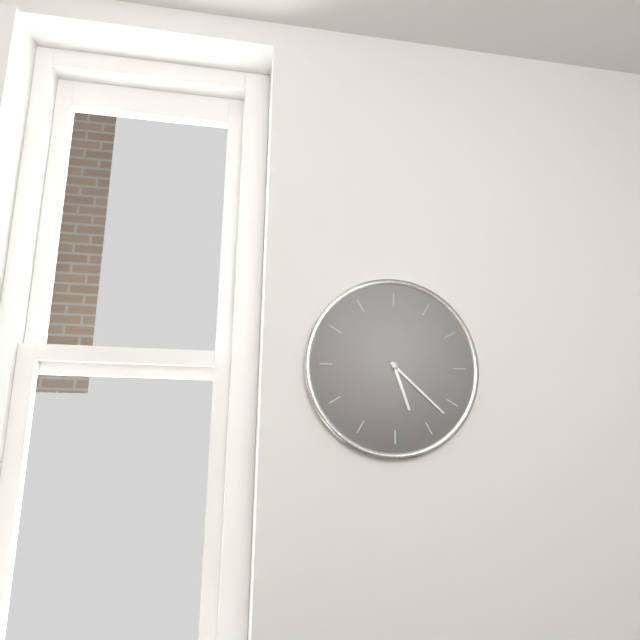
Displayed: 5h22
